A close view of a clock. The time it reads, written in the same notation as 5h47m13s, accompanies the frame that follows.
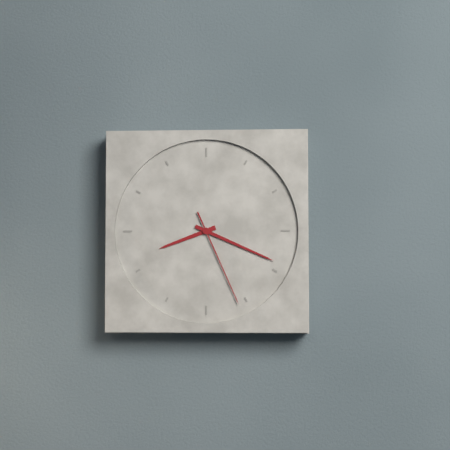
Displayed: 8h19m26s
